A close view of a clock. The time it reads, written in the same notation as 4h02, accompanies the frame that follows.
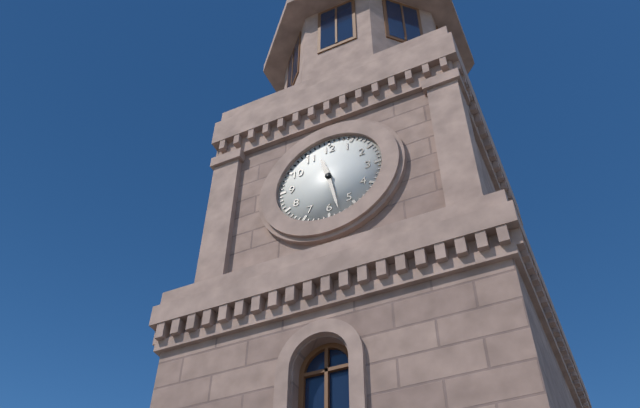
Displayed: 11h28
